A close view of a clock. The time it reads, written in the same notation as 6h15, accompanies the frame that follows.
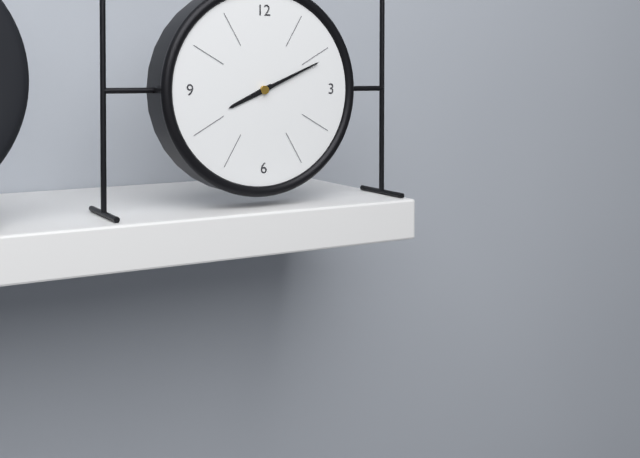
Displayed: 8h11
